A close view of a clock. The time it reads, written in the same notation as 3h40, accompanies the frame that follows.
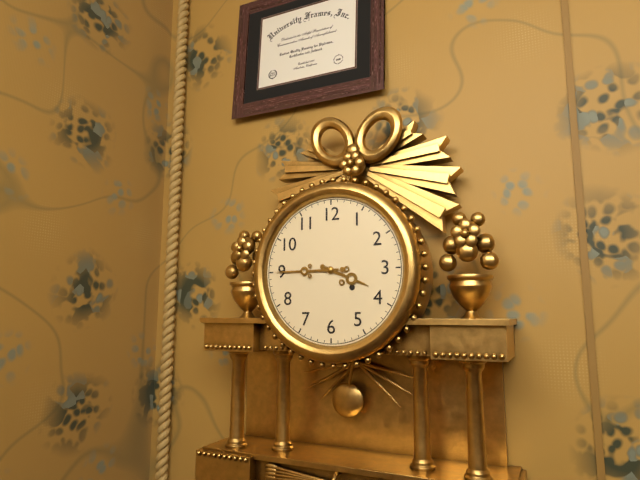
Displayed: 3h45
